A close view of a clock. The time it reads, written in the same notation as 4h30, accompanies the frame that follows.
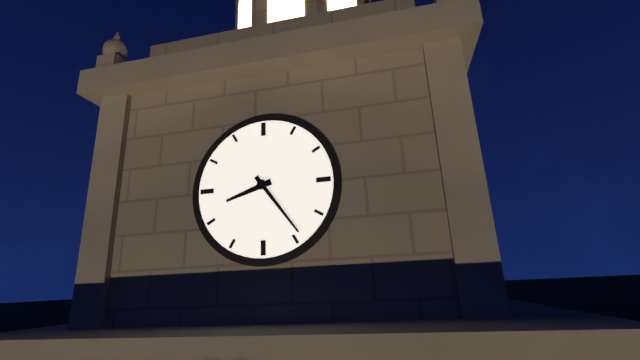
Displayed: 8h24
